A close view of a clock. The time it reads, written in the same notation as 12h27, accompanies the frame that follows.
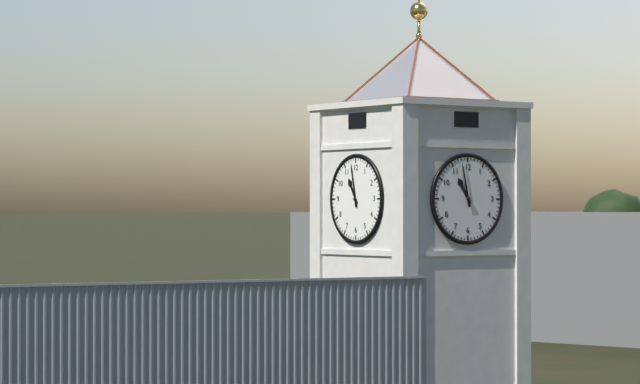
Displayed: 10h58
